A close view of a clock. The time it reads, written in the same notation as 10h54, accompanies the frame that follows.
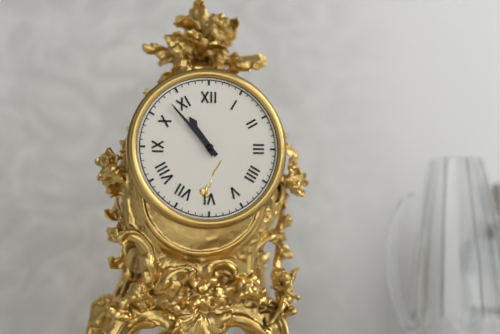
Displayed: 10h53
